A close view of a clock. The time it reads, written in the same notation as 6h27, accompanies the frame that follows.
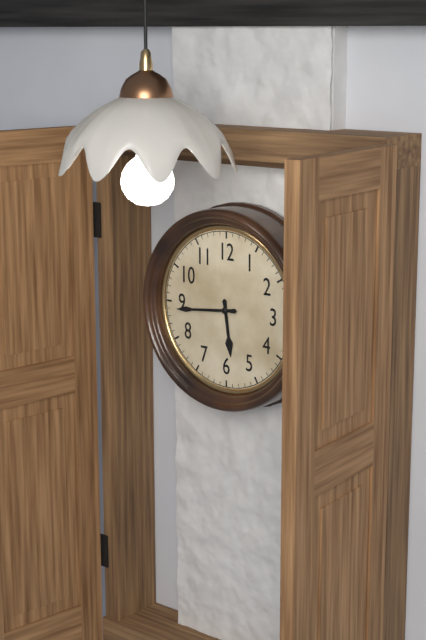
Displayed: 5h44
